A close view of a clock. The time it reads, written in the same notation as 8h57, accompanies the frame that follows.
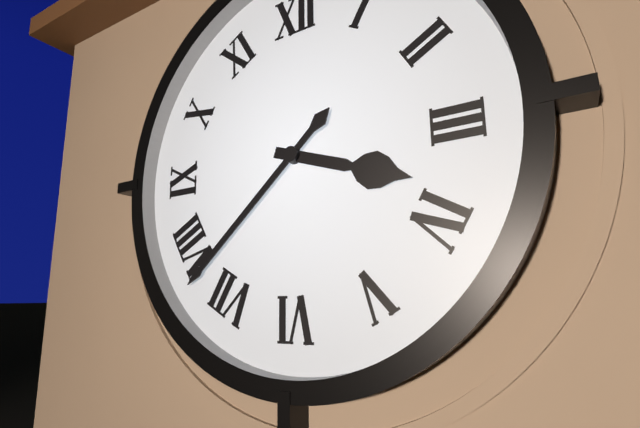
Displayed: 3h38
